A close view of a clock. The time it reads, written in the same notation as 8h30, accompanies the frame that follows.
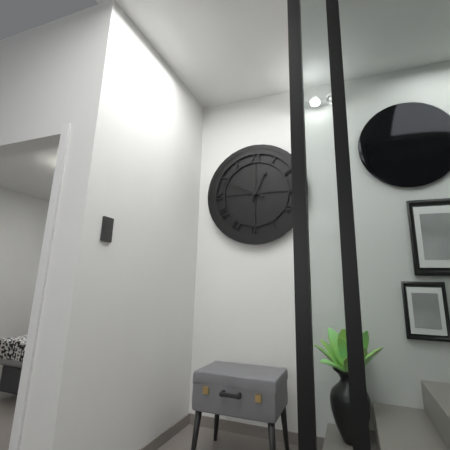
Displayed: 12h49
